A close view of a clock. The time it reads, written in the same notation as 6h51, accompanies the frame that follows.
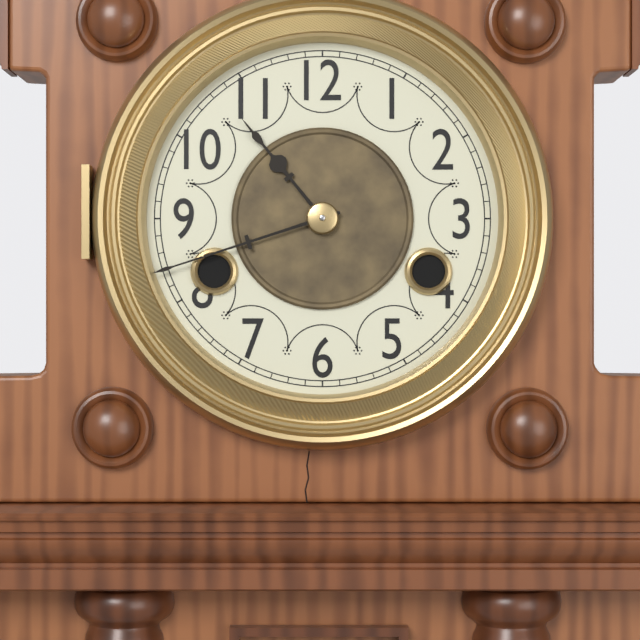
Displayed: 10h42
